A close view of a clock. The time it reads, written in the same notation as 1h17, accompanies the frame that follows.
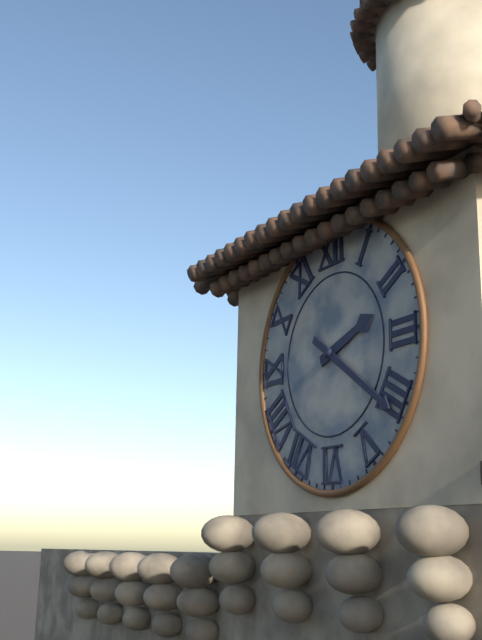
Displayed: 2h21
